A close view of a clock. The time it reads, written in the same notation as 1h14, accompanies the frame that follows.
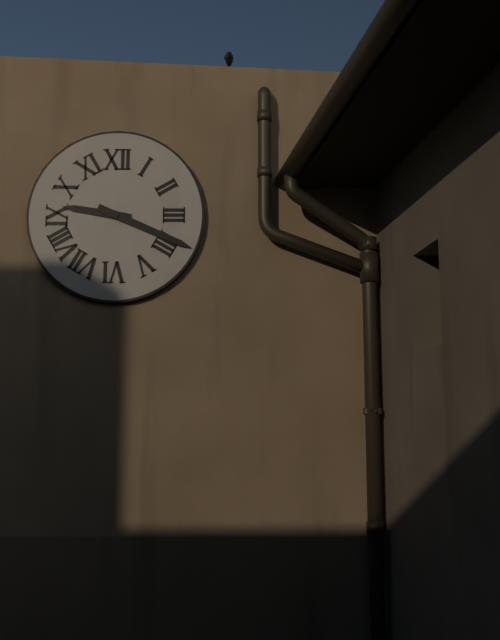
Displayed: 9h19
